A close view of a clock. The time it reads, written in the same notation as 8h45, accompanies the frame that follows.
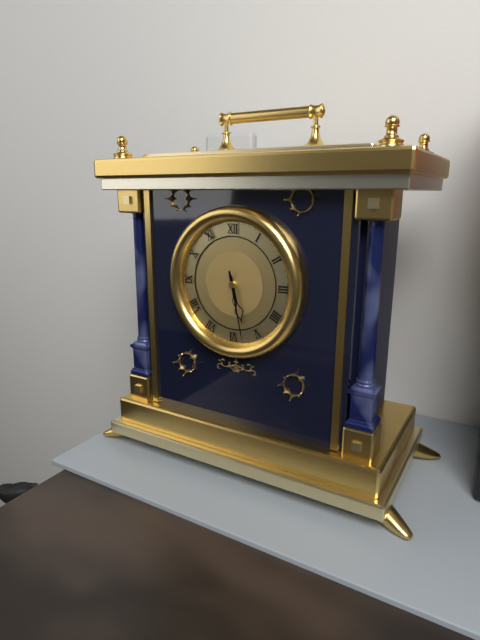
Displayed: 5h28
